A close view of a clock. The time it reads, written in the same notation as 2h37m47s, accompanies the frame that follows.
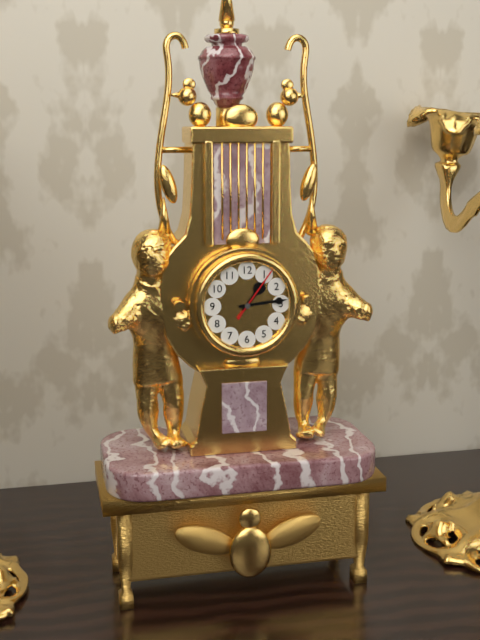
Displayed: 1h14m06s
